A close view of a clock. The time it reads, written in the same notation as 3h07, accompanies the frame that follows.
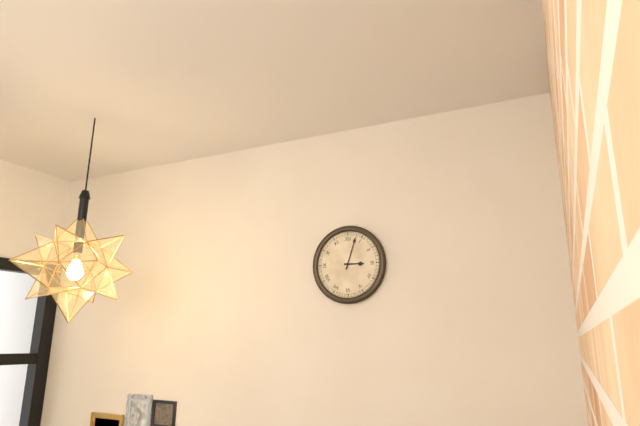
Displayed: 3h03
